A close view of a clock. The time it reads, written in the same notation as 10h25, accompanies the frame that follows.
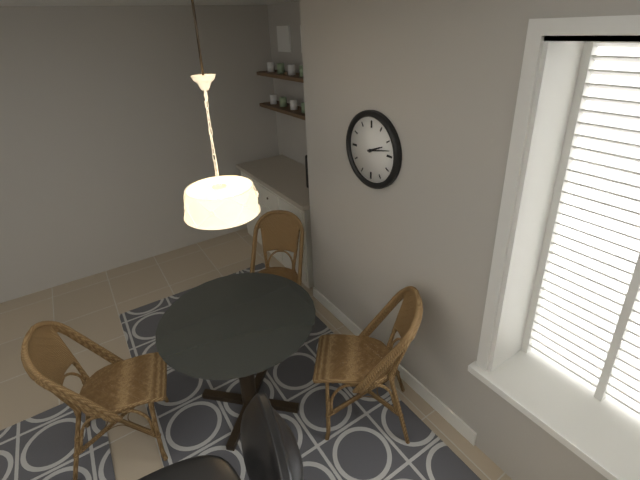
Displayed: 2h13
